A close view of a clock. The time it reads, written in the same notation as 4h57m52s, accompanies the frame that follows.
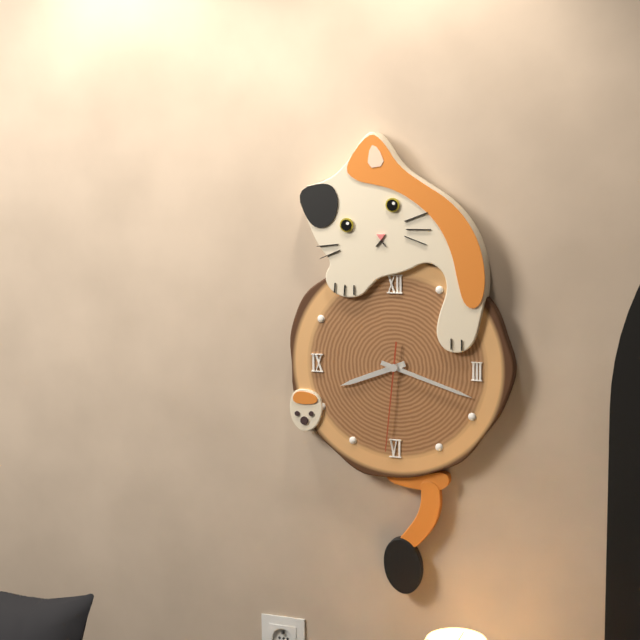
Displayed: 8h18m31s
